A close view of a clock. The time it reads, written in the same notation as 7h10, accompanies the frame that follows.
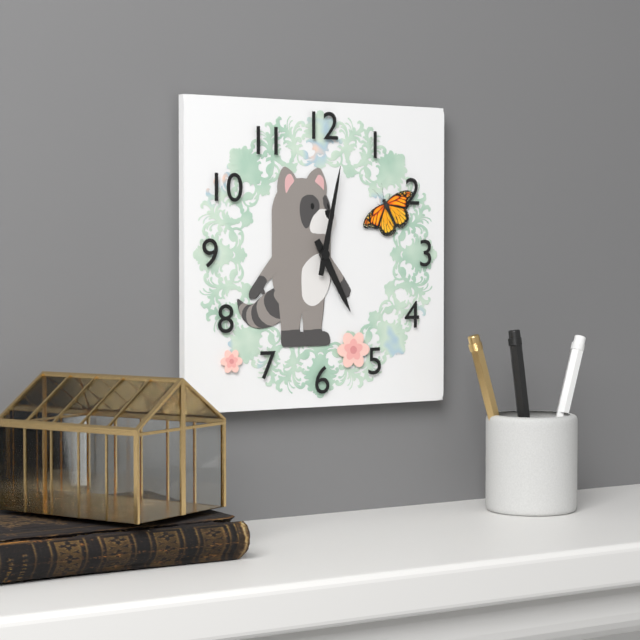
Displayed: 5h02
